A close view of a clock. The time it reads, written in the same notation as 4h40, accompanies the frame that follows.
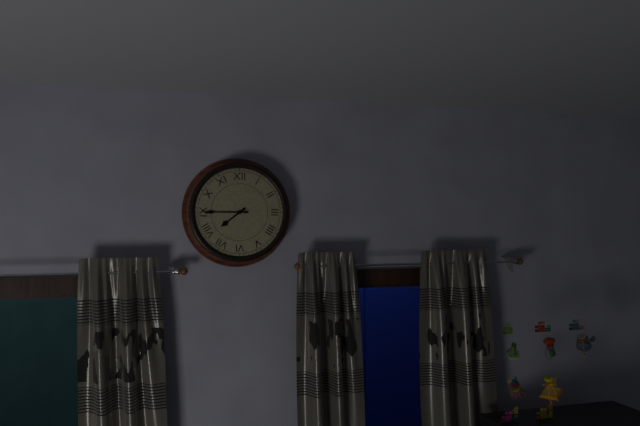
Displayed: 7h45
